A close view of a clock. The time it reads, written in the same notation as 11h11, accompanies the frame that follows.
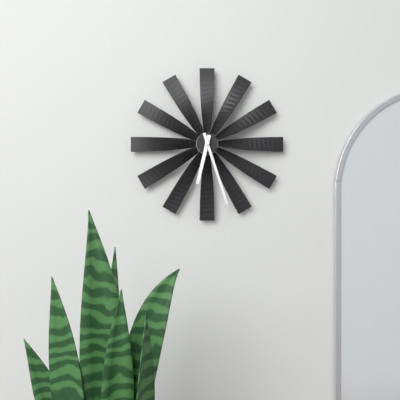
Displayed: 6h27
